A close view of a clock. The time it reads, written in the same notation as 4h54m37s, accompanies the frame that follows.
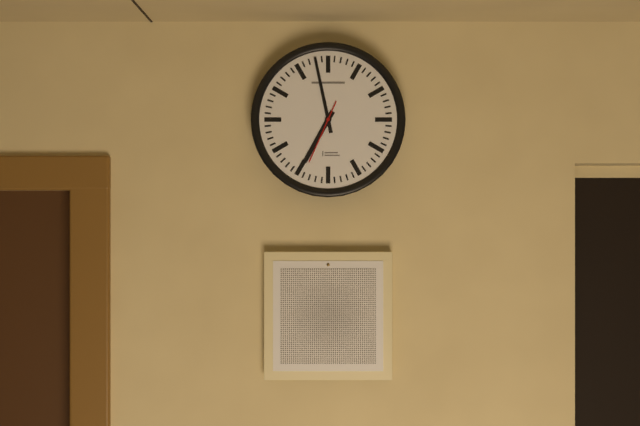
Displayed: 6h58m34s
